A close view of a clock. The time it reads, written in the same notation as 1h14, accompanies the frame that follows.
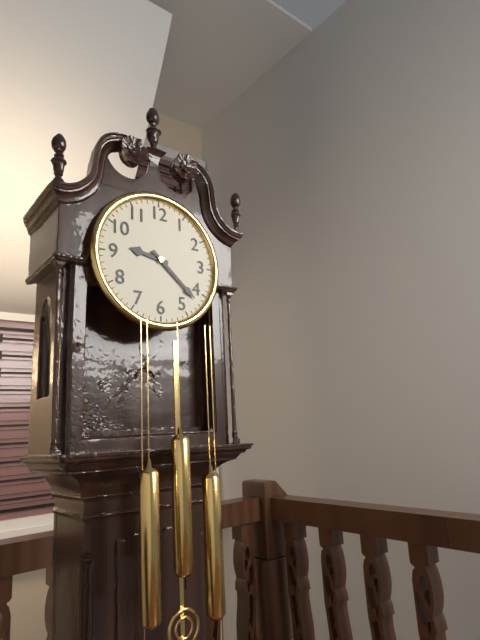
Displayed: 9h22
